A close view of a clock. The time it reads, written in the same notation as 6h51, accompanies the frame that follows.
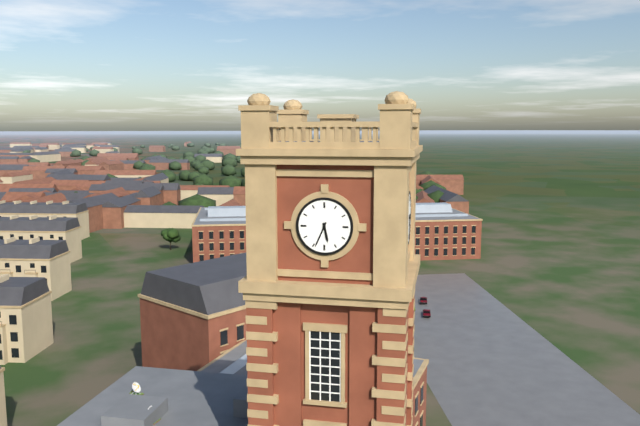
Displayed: 5h34
